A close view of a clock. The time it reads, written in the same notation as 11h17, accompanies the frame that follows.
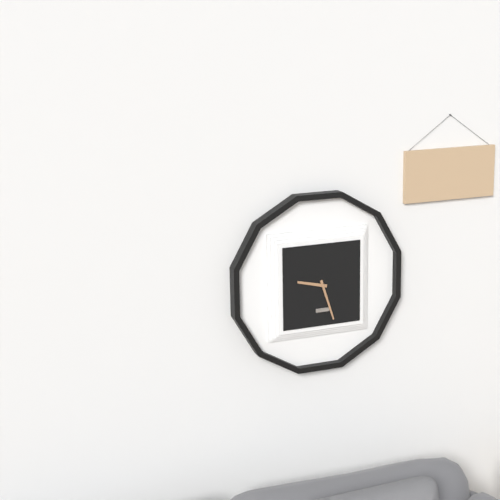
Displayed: 9h27
